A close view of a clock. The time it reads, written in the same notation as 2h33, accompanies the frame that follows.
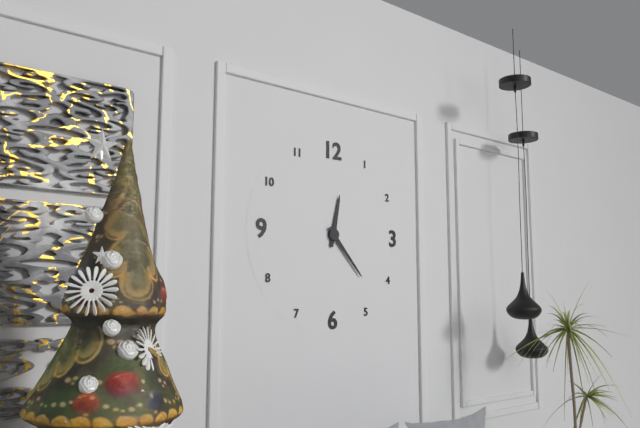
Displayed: 12h23
